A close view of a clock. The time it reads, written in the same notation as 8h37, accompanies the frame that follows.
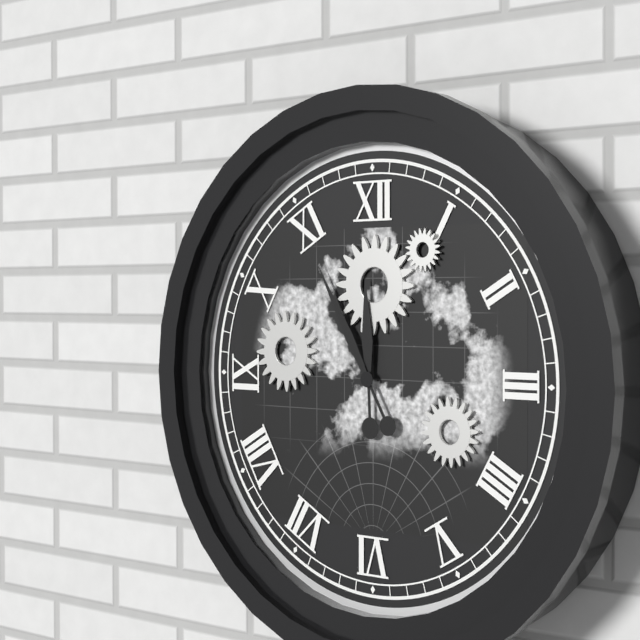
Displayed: 11h55
